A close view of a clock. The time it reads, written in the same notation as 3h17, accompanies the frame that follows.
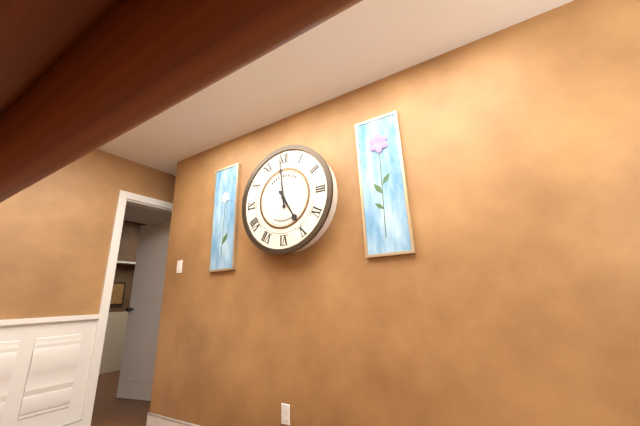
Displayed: 4h59
